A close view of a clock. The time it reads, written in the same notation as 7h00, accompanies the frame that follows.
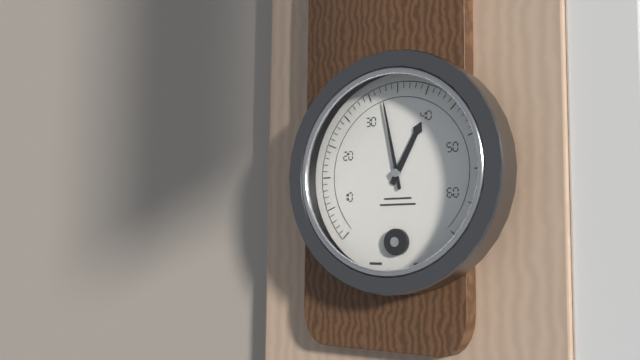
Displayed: 12h58
